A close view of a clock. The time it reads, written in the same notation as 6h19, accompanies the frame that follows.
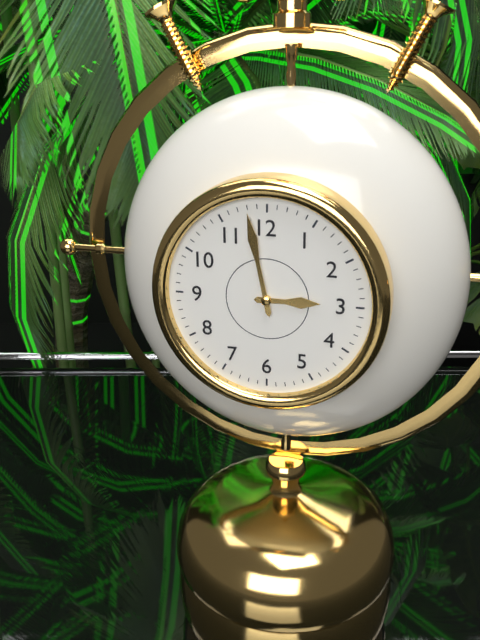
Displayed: 2h58
